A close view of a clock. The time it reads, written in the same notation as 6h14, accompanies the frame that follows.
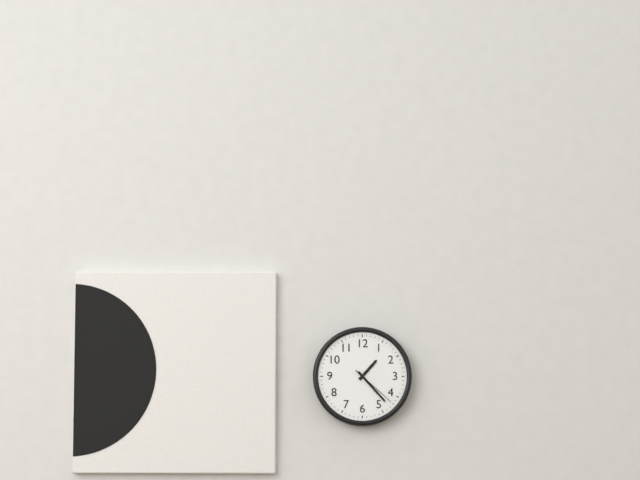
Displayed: 1h23
